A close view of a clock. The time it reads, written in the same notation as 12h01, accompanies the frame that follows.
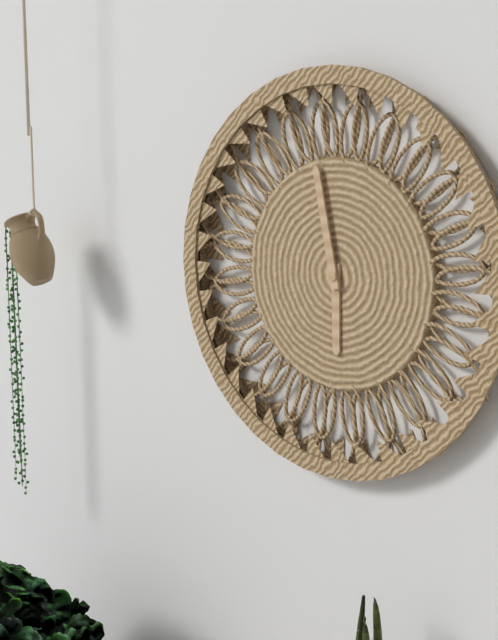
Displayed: 5h58
